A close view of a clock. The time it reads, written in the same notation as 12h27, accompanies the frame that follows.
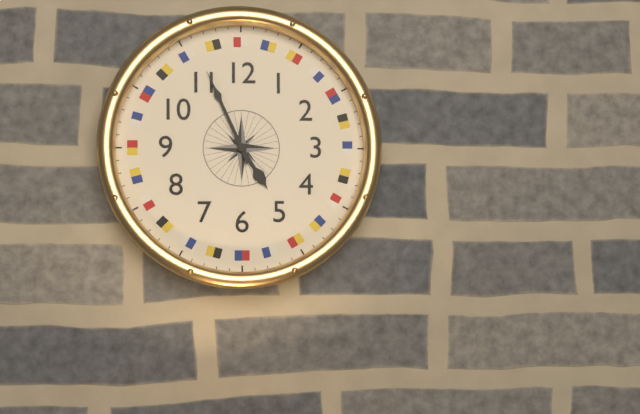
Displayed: 4h56
